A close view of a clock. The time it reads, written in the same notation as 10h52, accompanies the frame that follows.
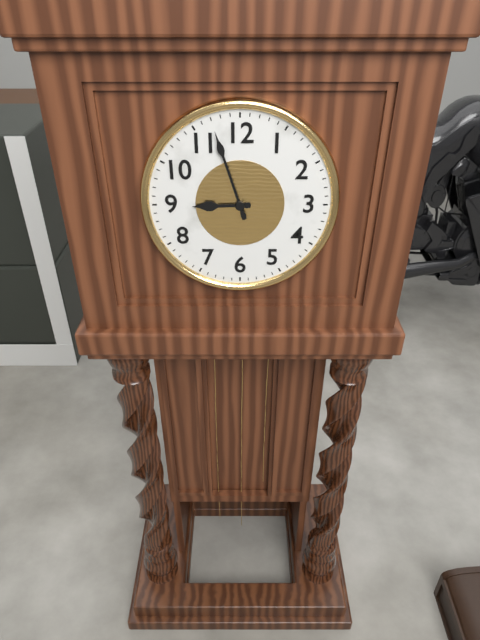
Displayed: 8h57
